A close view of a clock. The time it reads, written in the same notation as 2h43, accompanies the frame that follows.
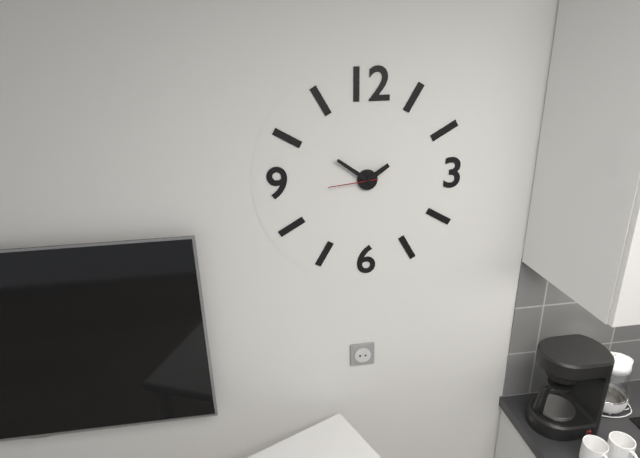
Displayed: 1h51
